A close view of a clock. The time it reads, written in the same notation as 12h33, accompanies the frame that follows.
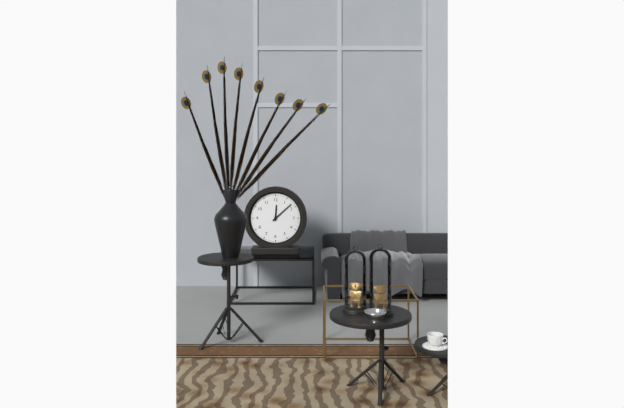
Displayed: 12h08
